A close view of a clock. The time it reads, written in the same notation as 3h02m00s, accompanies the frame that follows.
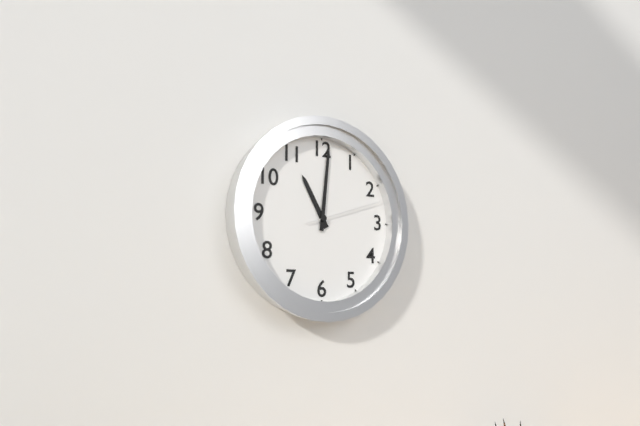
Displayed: 11h01m12s
